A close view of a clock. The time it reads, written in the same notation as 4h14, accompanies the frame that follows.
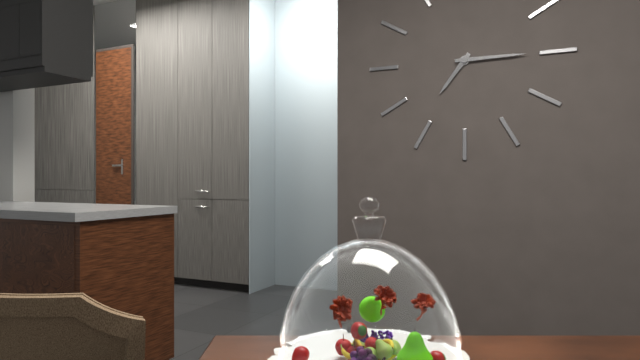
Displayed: 7h15
